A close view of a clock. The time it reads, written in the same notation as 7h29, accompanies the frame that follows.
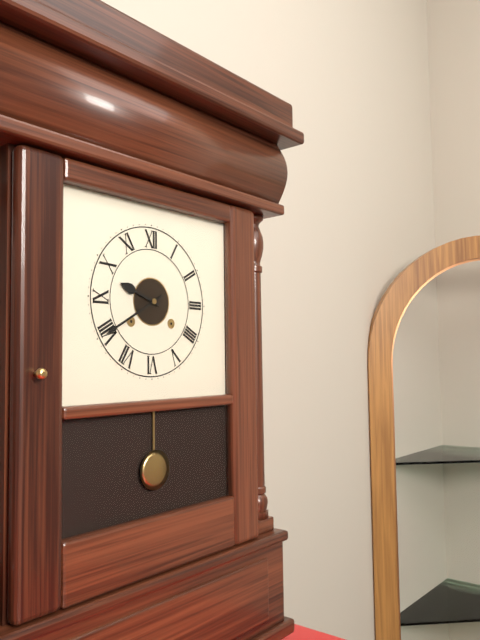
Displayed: 9h40
